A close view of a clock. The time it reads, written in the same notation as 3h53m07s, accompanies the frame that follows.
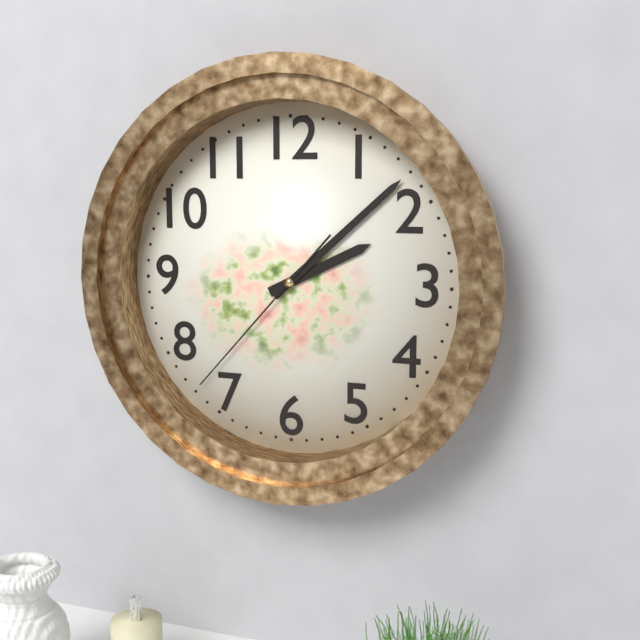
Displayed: 2h08m37s
